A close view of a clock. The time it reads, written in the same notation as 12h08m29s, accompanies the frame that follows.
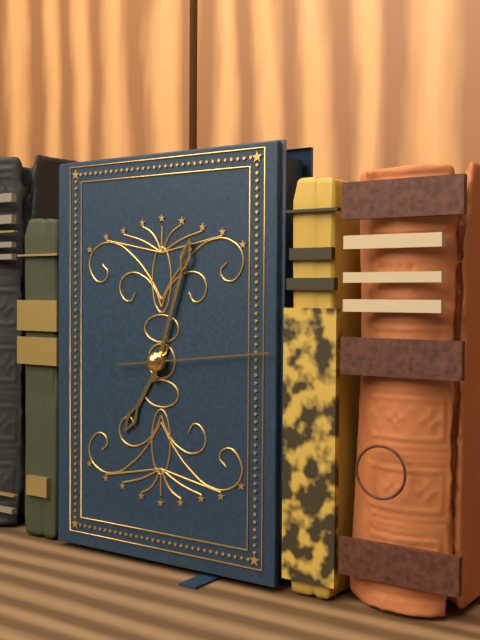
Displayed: 7h03m14s
